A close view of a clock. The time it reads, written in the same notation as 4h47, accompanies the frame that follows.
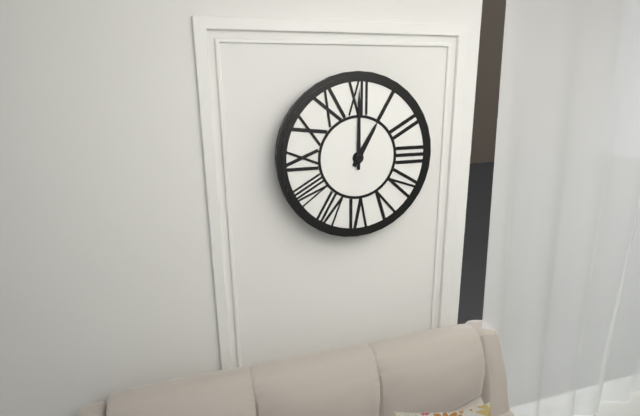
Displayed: 1h00
